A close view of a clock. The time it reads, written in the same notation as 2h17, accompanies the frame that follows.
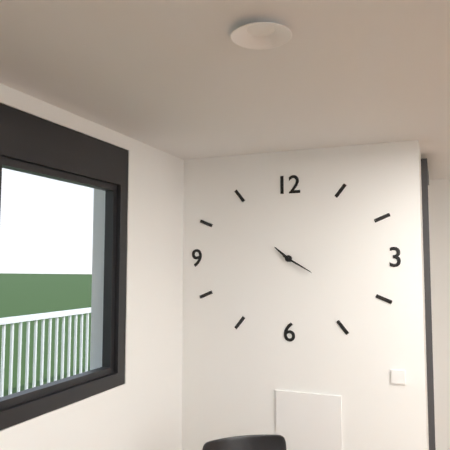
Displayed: 10h20
